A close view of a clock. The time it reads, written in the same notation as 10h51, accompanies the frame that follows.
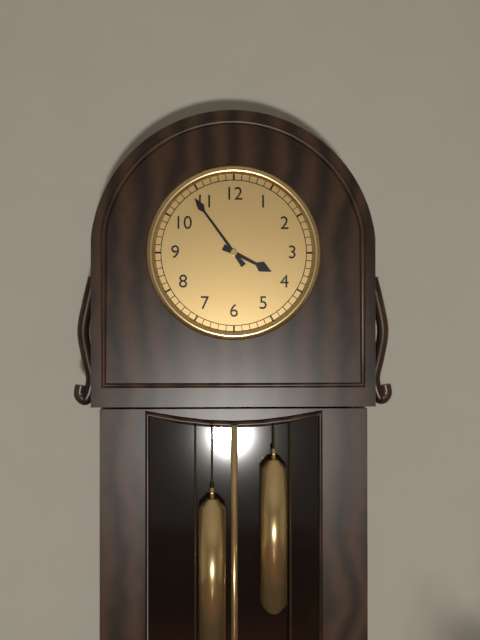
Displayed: 3h54
